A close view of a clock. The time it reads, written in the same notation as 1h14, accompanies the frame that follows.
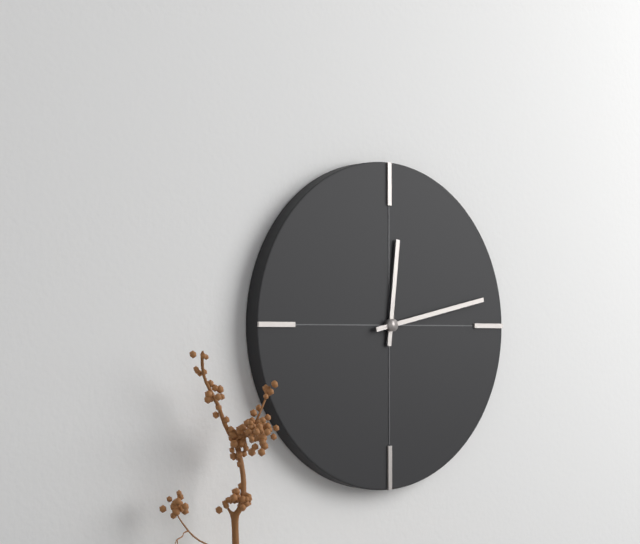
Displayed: 12h13
